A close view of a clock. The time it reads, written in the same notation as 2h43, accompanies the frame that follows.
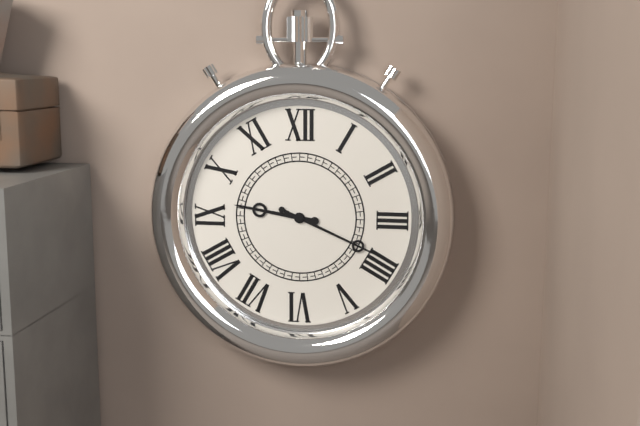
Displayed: 9h19
